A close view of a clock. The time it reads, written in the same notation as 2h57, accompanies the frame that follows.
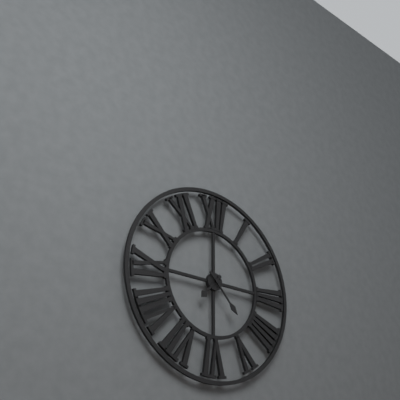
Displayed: 7h23
